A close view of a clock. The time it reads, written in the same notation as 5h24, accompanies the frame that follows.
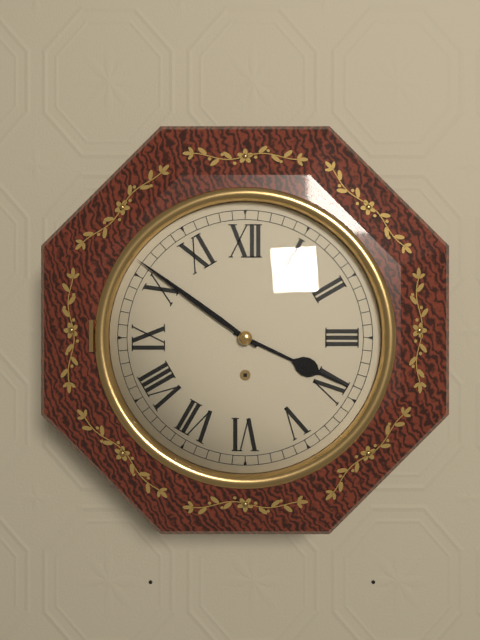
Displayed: 3h51
